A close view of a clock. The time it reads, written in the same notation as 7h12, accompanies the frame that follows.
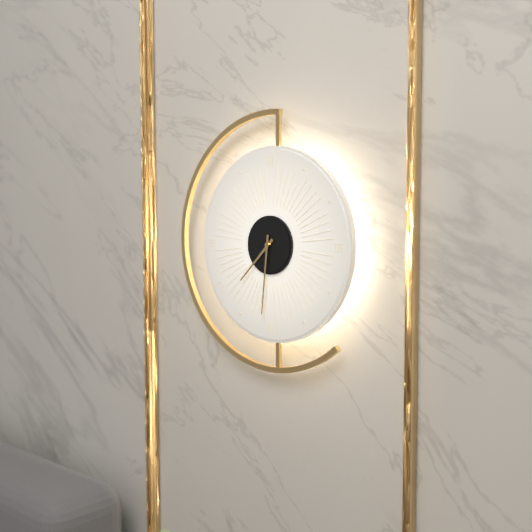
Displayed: 7h31
